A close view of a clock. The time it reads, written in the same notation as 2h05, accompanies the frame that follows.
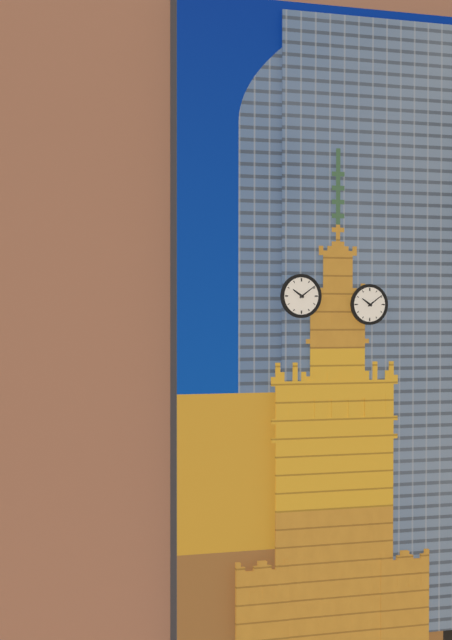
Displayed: 10h09
